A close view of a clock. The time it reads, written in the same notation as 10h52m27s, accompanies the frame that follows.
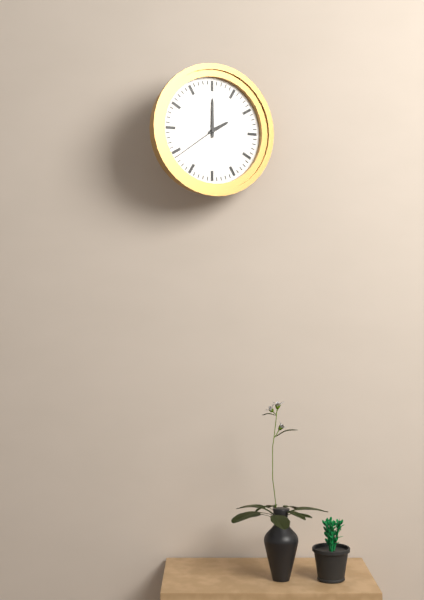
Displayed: 2h00m39s
